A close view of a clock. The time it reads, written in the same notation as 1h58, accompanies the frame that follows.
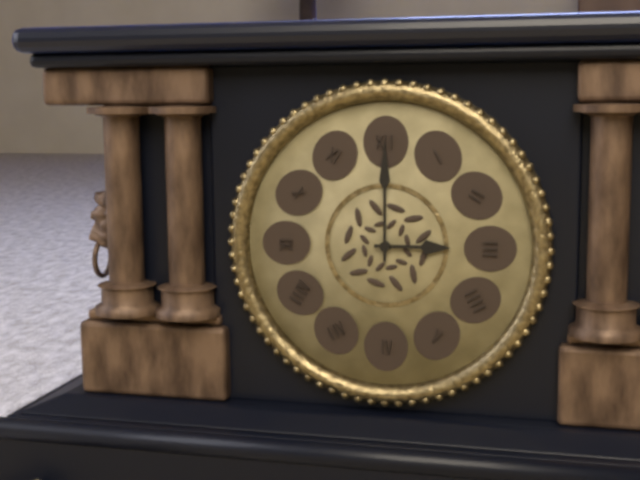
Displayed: 3h00
